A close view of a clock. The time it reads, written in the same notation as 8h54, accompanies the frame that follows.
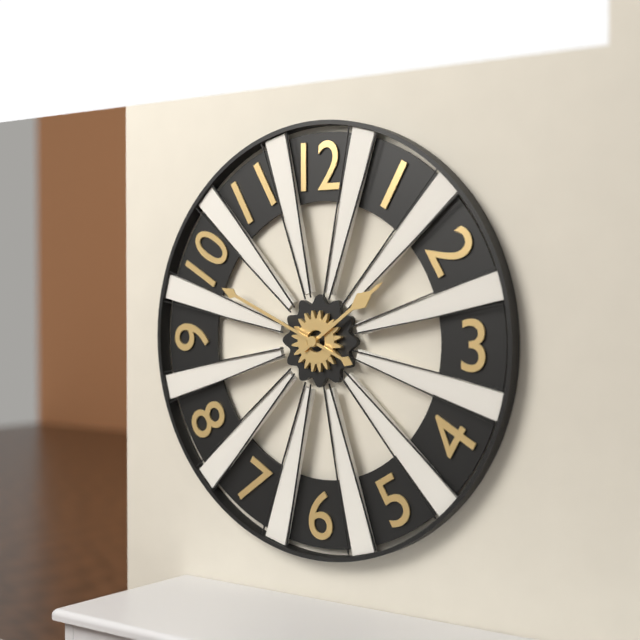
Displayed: 1h49
